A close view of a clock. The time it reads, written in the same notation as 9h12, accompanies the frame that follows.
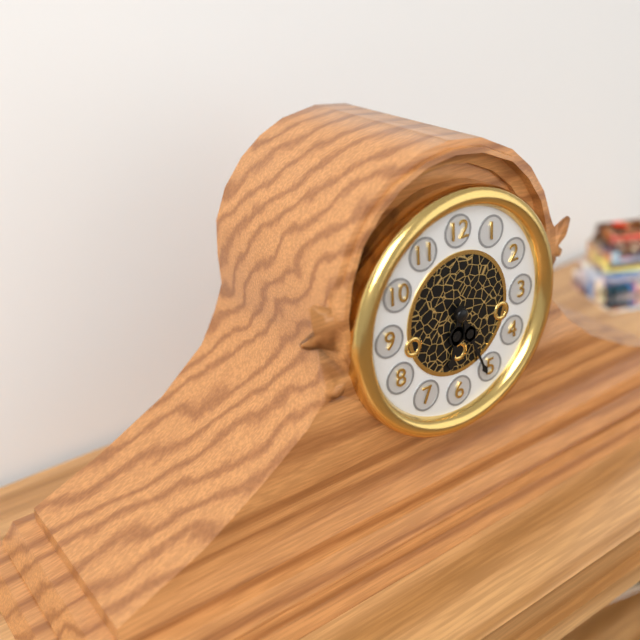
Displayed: 6h26
